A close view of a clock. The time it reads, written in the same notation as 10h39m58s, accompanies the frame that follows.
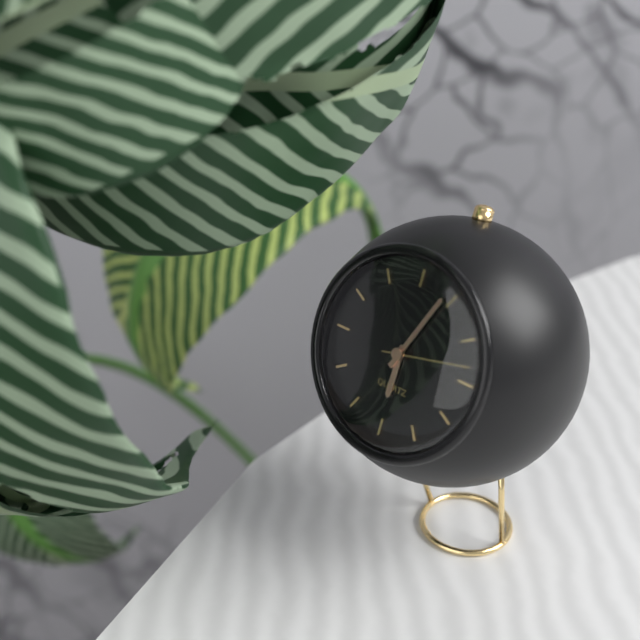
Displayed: 6h04m13s
